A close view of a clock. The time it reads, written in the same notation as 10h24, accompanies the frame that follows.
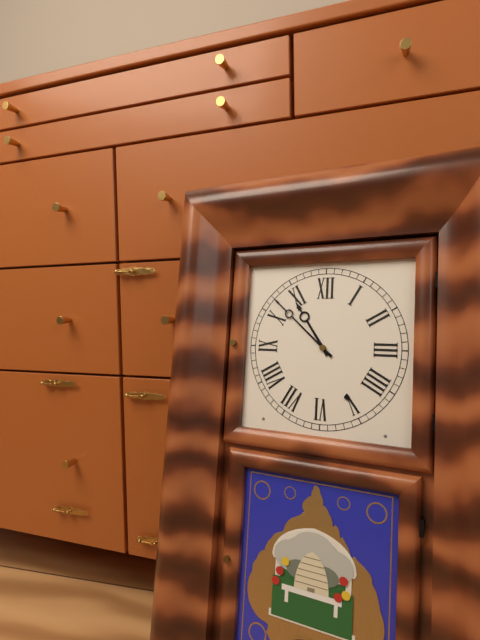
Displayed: 10h52
